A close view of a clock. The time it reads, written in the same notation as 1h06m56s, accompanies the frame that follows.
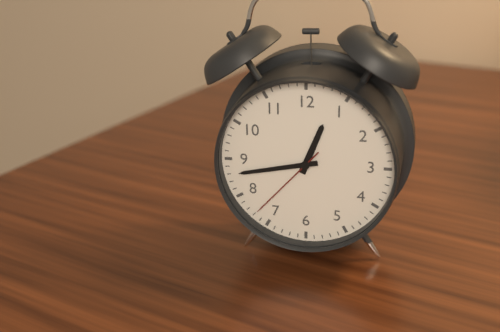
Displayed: 12h43m37s
